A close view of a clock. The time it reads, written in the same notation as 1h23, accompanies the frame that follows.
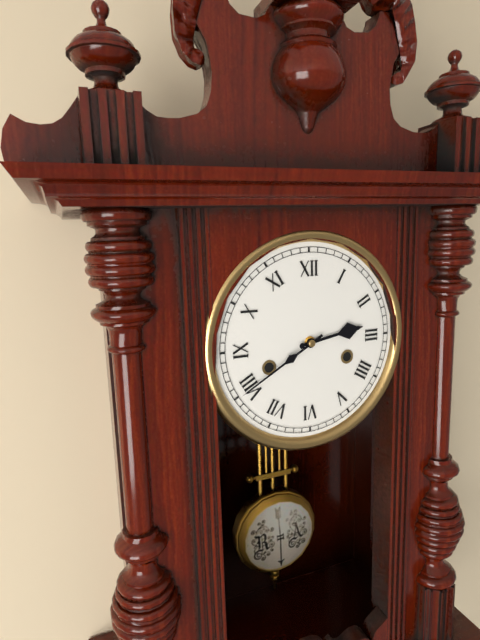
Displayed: 2h40
